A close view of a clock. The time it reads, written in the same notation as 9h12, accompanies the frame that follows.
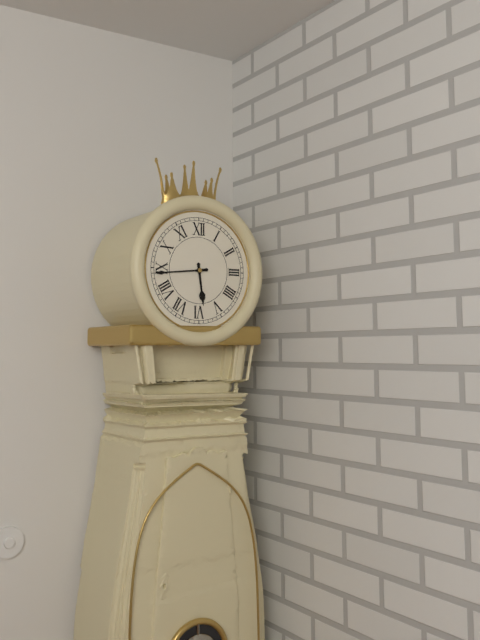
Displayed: 5h44
